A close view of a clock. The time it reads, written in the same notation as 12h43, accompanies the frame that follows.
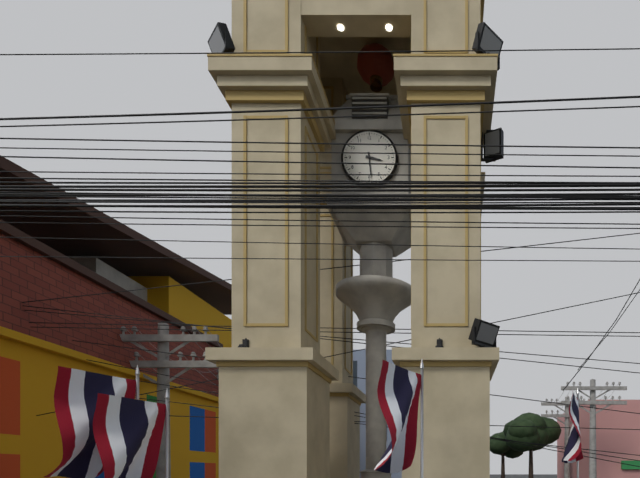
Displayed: 3h29
